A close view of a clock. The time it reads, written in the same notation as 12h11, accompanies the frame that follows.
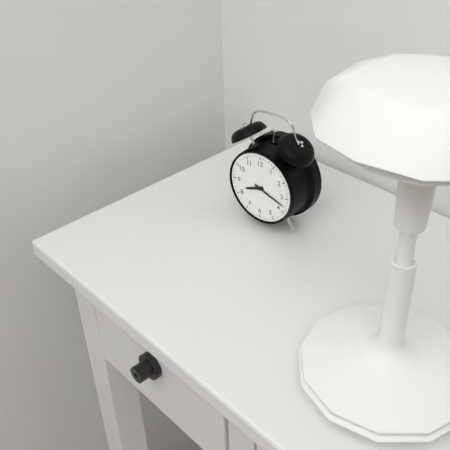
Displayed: 8h18
